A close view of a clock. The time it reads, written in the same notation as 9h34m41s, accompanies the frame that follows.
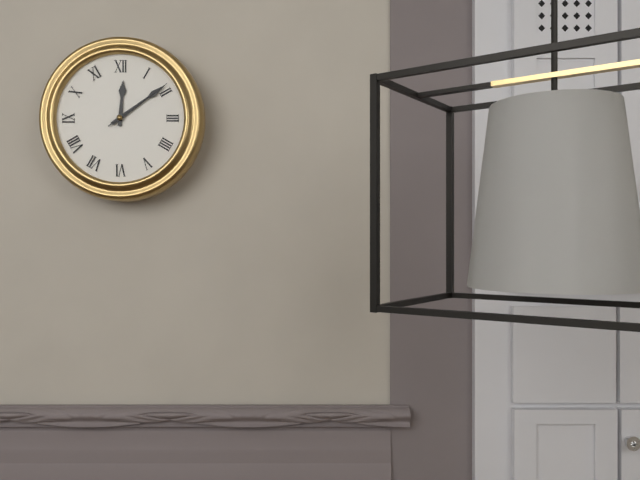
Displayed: 12h09m09s
